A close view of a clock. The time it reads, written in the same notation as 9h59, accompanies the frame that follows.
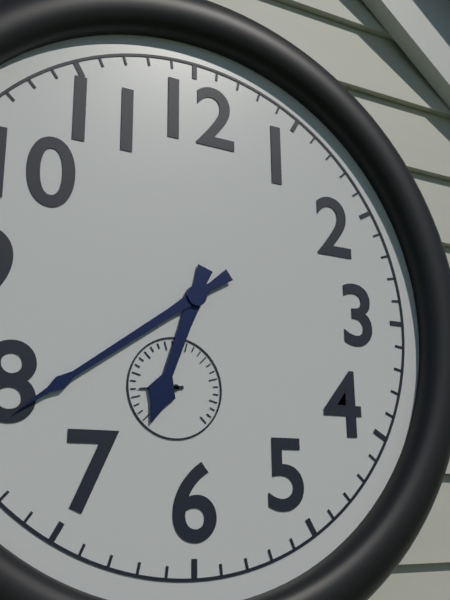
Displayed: 6h39
